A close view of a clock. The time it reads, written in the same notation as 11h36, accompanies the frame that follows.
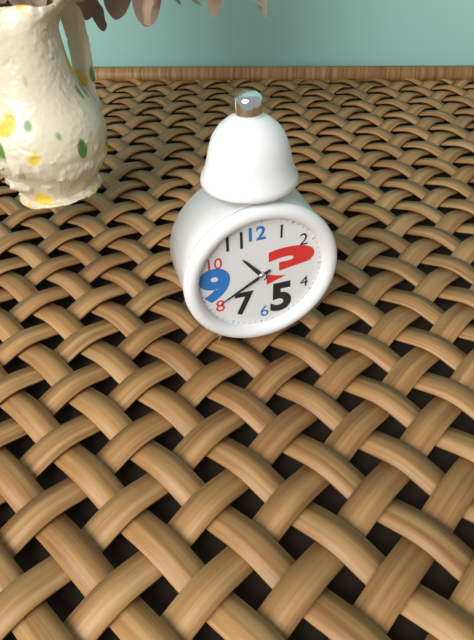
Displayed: 10h40
